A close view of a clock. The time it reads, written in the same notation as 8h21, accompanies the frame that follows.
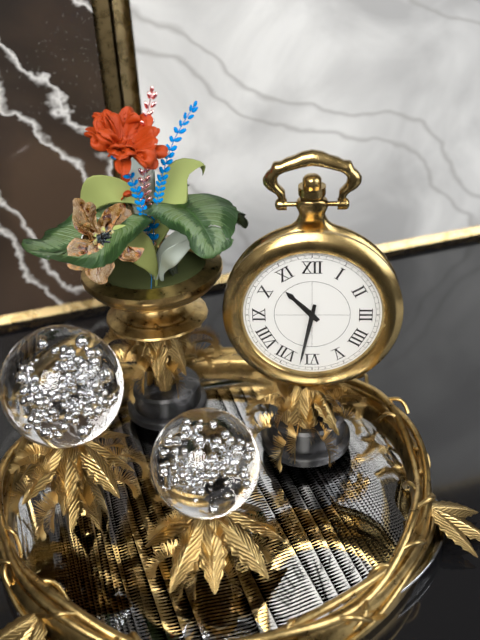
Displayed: 10h32
